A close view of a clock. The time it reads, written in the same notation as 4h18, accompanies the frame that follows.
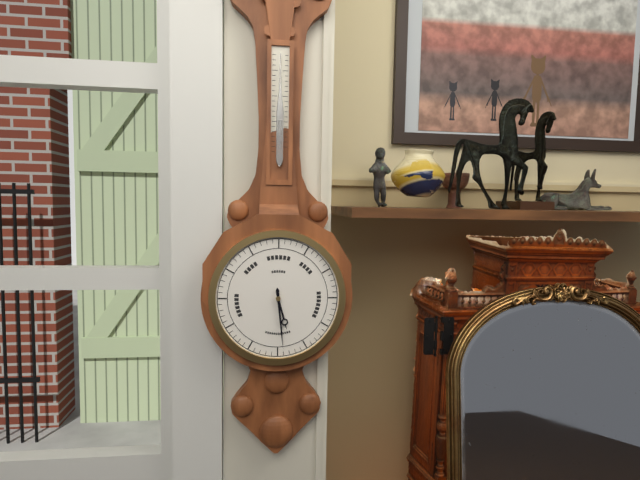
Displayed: 5h29
